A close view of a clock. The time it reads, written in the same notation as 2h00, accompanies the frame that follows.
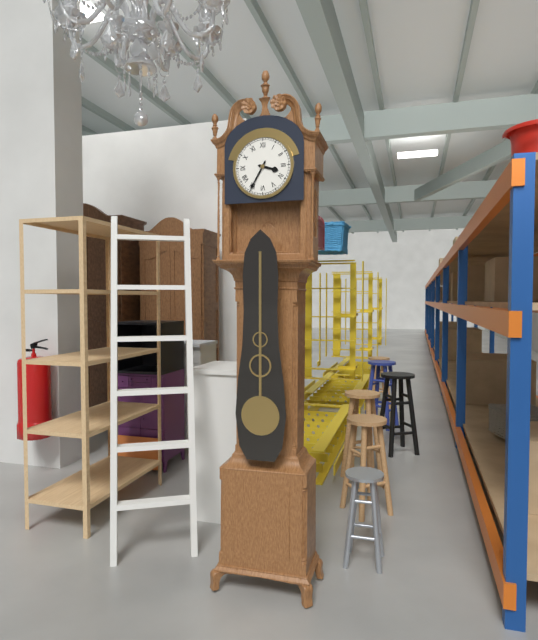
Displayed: 3h35
